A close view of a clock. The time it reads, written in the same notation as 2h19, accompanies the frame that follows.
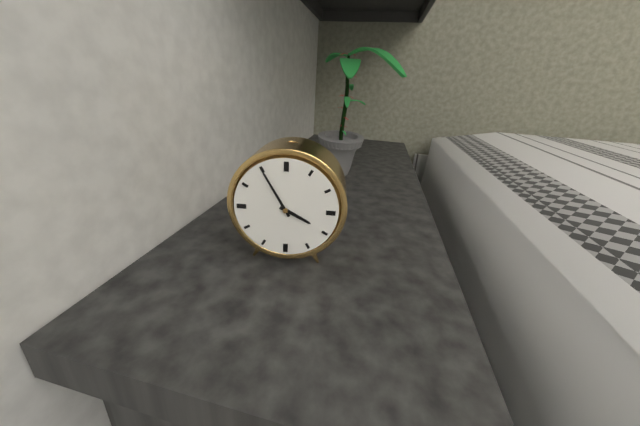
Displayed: 3h55
